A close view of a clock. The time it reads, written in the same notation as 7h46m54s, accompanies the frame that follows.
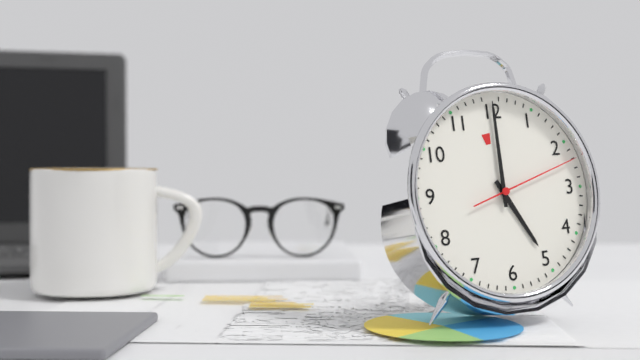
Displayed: 5h00m12s
